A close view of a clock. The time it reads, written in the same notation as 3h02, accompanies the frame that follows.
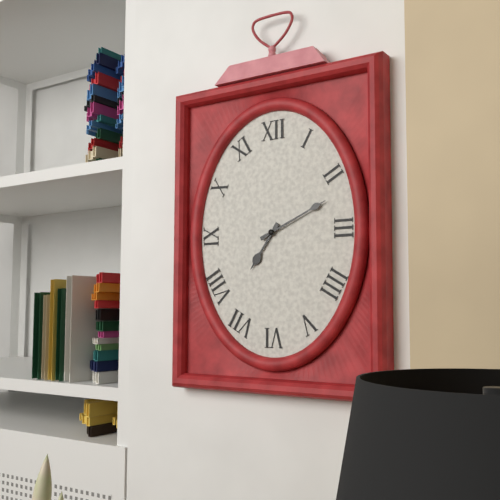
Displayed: 7h11
